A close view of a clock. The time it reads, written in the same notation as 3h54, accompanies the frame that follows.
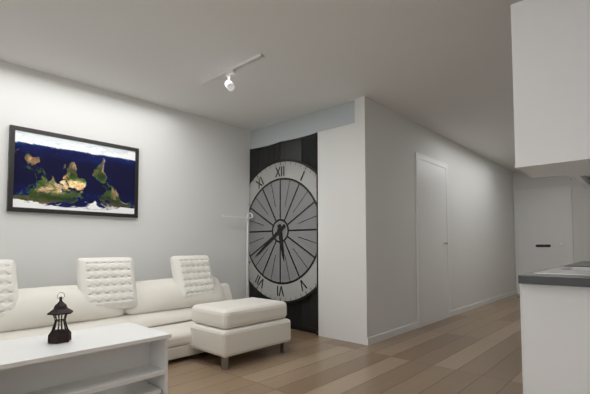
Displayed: 5h39
